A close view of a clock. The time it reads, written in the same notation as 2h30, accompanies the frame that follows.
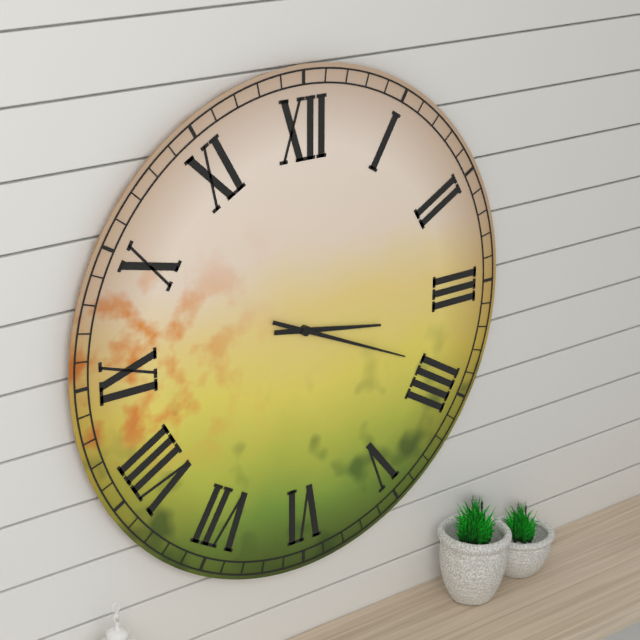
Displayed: 3h19
